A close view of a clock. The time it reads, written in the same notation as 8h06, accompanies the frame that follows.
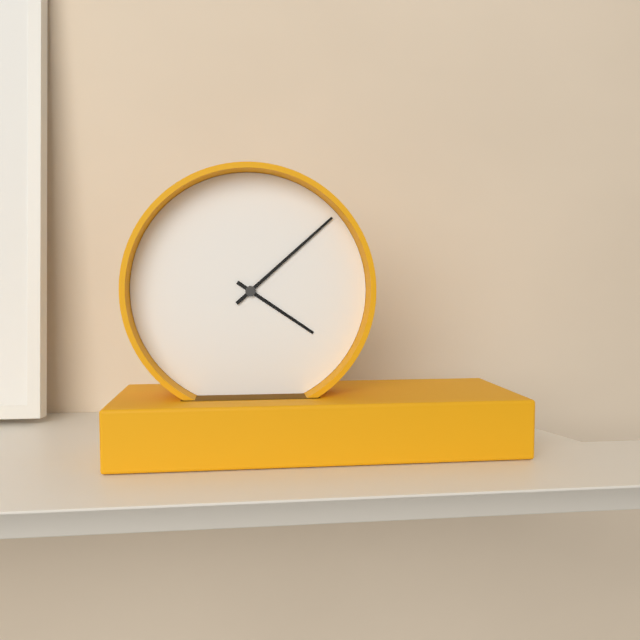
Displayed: 4h08
